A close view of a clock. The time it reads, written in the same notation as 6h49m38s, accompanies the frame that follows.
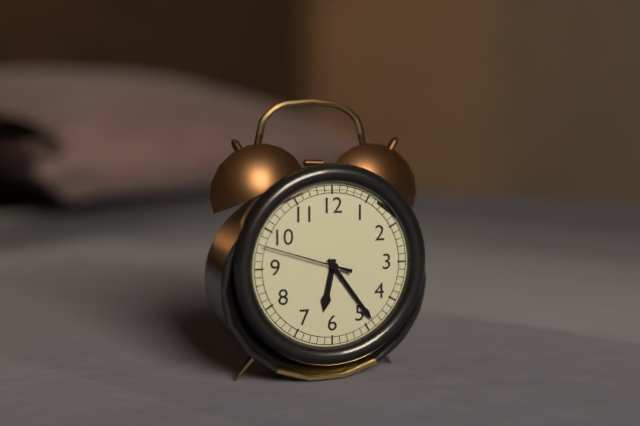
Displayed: 6h24m48s
